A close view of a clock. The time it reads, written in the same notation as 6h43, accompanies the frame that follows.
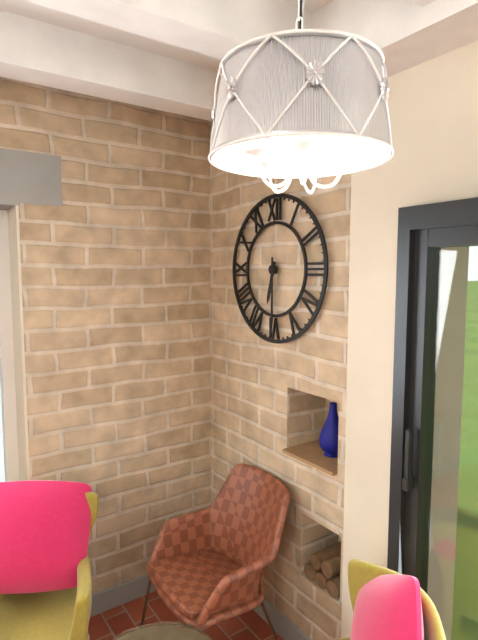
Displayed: 6h30
